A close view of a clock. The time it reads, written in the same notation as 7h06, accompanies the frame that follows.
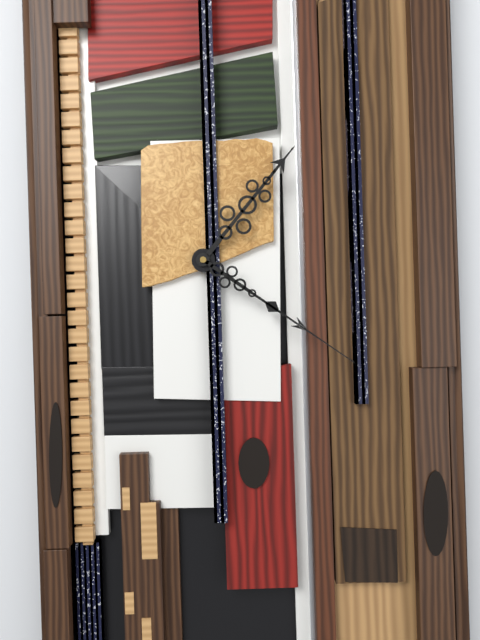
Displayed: 1h21
